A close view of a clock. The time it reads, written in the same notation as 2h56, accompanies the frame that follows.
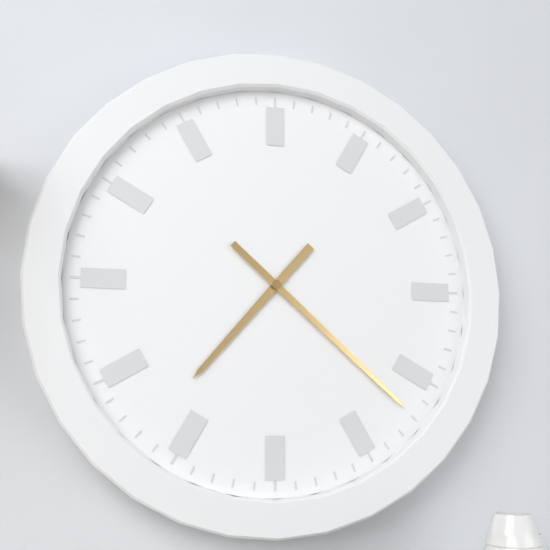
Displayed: 7h22
